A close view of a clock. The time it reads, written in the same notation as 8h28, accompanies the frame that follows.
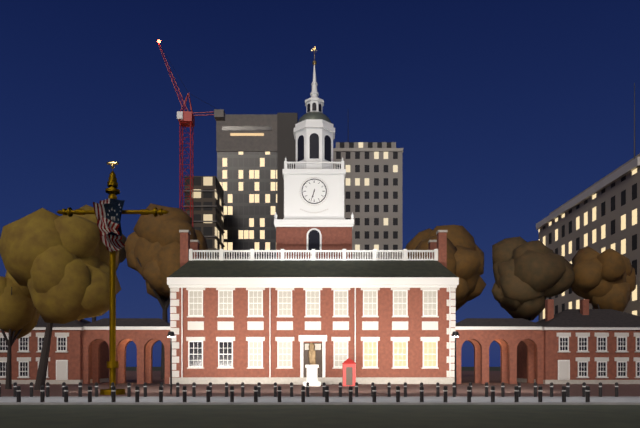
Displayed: 6h33
